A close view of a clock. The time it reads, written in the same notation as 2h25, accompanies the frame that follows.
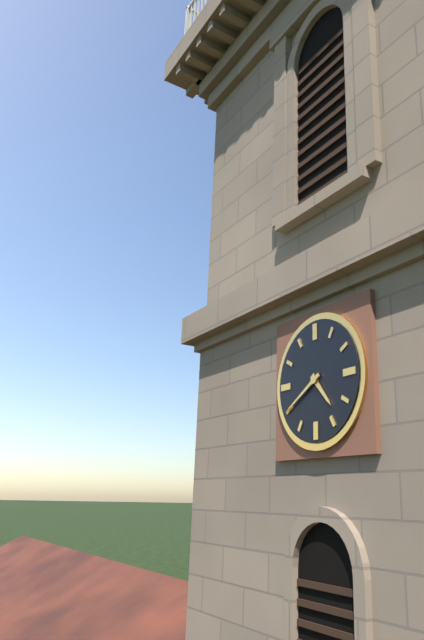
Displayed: 4h40
